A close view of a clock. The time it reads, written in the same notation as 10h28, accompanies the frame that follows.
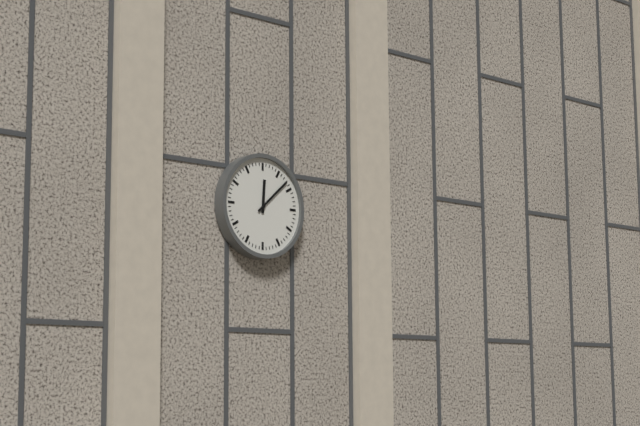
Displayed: 12h08
